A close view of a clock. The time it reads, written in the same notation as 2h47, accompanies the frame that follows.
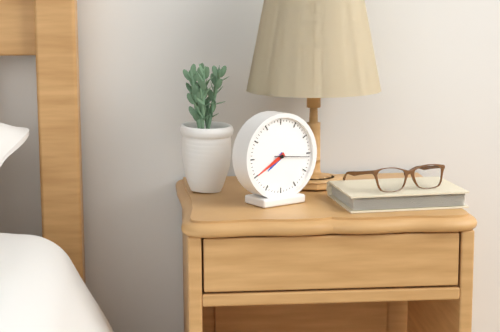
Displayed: 7h40
